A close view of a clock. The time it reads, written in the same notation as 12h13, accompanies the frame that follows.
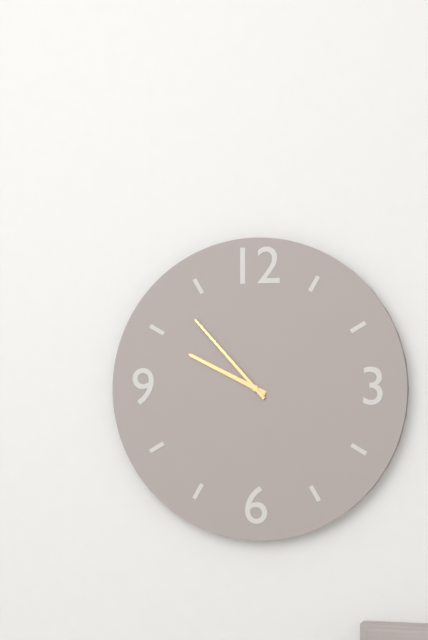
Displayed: 9h53
